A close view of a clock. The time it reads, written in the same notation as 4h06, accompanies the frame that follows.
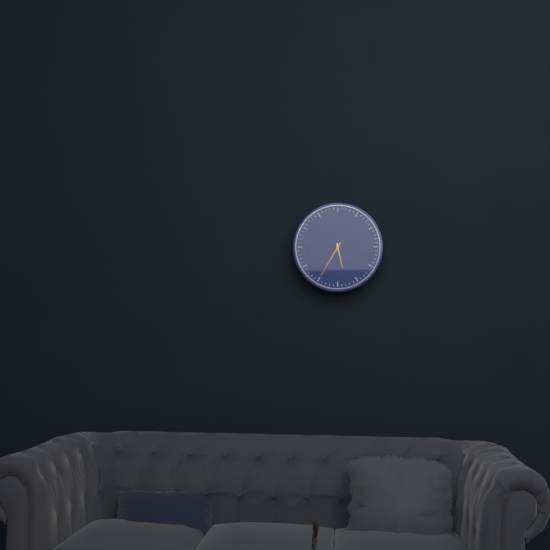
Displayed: 5h35
